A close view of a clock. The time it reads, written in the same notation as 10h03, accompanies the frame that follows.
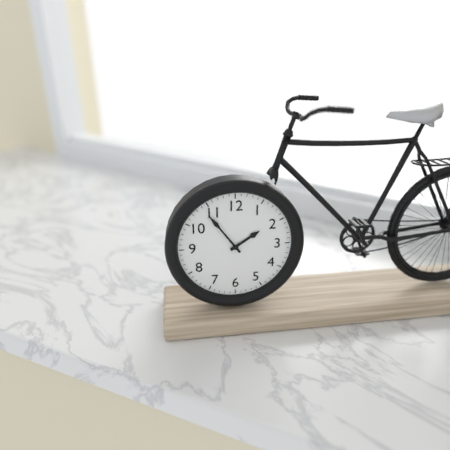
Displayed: 1h54
